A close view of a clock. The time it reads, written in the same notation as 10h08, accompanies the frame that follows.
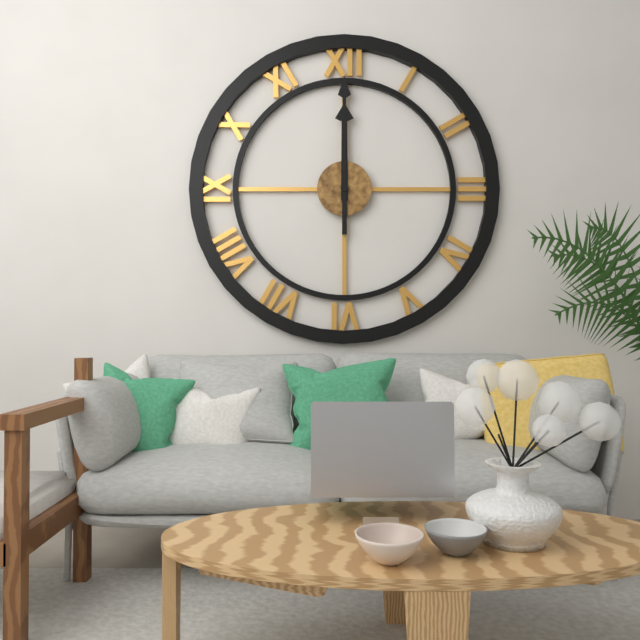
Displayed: 12h00
